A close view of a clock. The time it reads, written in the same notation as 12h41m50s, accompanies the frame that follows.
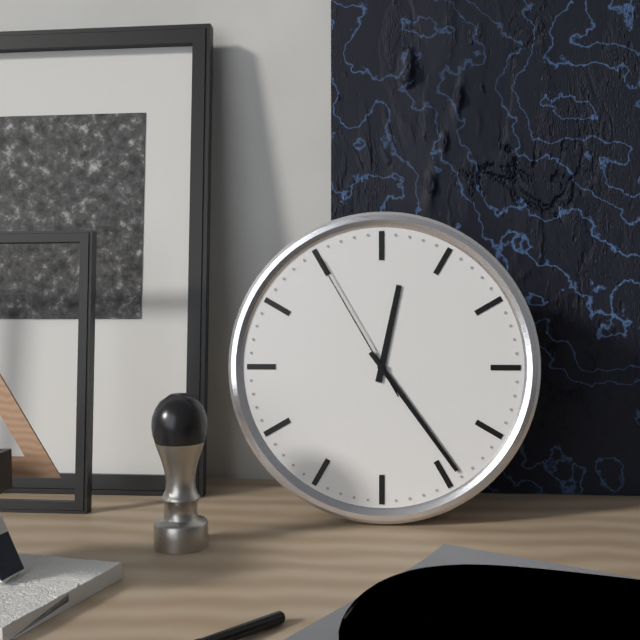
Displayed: 12h24m55s
